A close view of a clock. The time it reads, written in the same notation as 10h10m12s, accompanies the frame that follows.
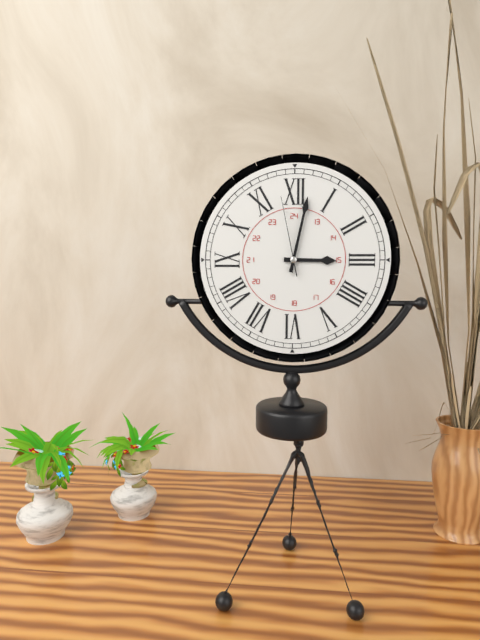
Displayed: 3h02m58s
